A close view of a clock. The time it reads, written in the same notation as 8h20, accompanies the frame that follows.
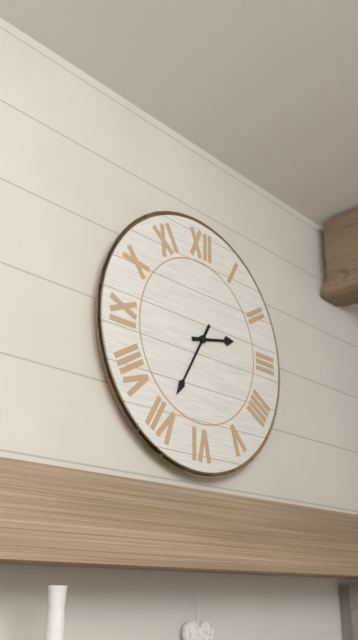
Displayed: 2h35
